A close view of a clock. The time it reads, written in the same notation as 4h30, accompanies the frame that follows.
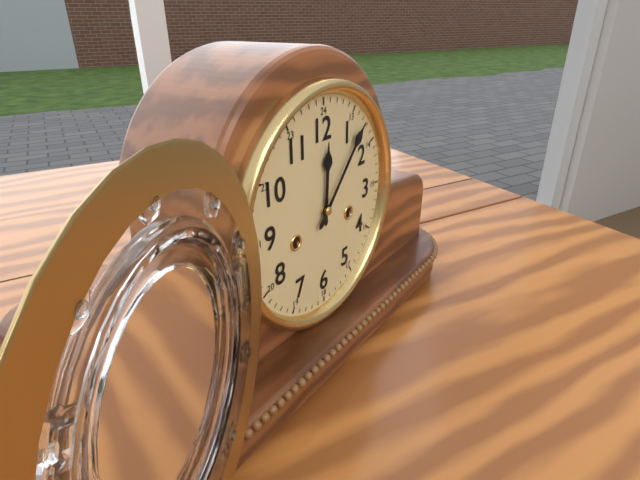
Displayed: 12h07
